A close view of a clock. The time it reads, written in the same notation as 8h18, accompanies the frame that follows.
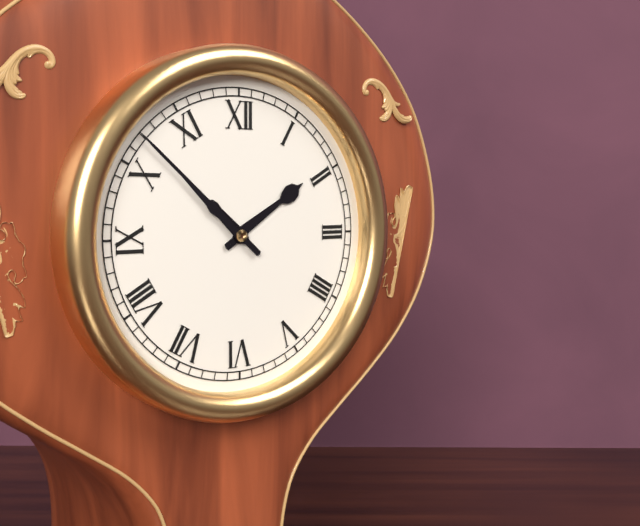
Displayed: 1h52
